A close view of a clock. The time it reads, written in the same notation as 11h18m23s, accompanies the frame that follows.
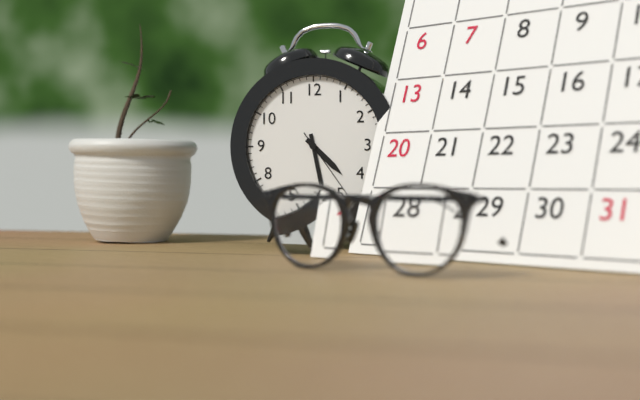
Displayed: 4h28m24s
